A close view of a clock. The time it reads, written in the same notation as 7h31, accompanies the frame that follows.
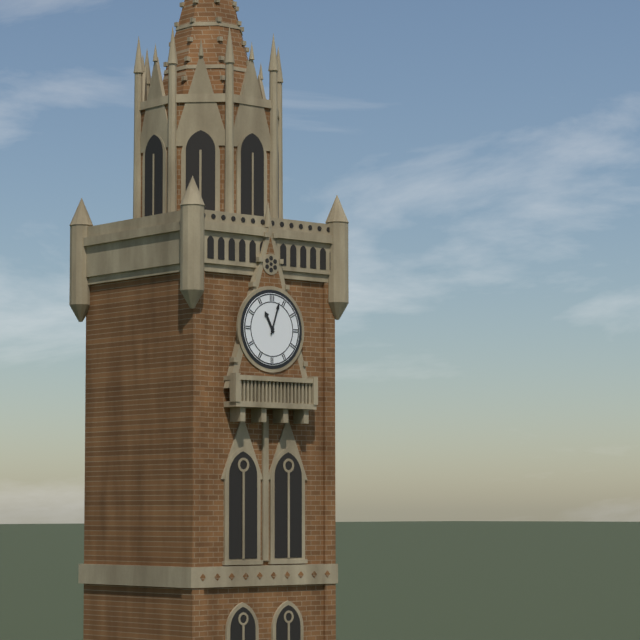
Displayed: 11h03
